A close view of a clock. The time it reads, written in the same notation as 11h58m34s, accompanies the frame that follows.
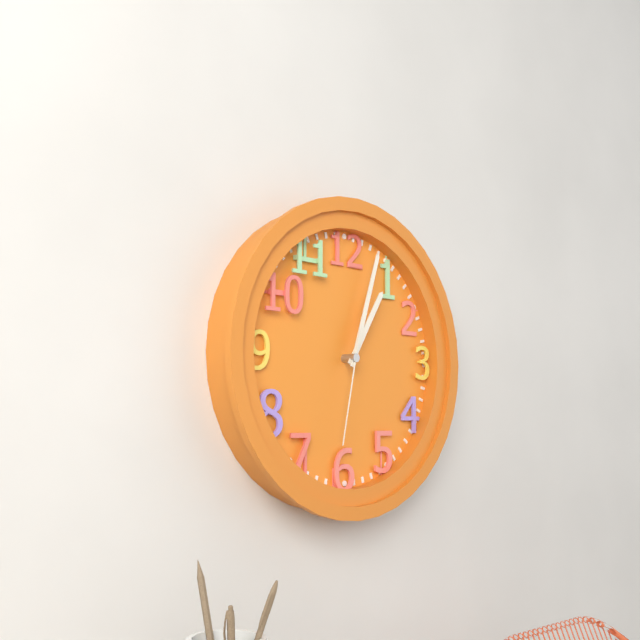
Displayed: 1h03m32s
